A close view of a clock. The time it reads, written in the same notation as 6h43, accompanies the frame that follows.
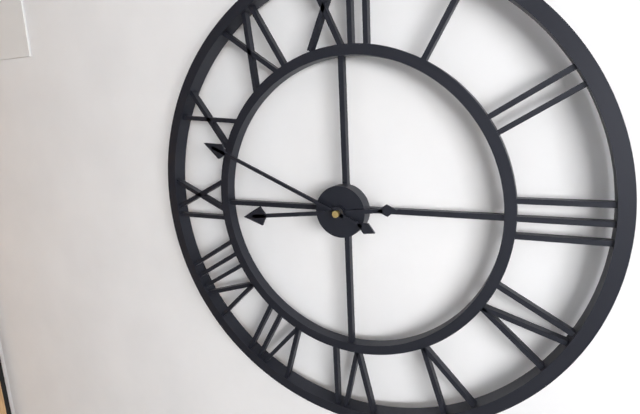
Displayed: 8h49
